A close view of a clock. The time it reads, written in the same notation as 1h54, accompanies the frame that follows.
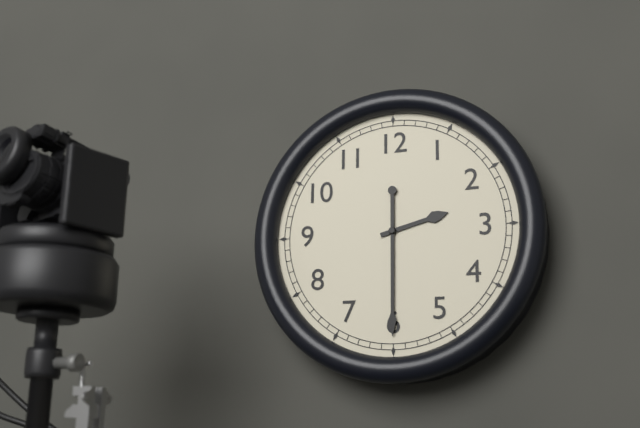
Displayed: 2h30
